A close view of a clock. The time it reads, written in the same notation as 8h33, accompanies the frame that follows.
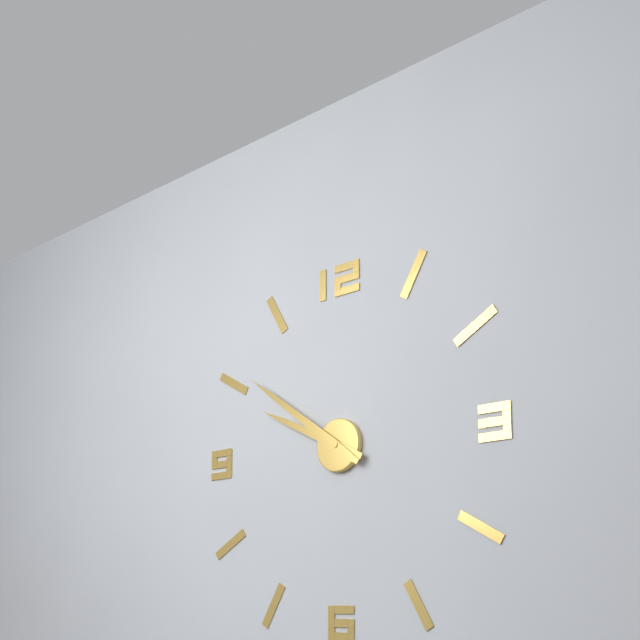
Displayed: 9h51
